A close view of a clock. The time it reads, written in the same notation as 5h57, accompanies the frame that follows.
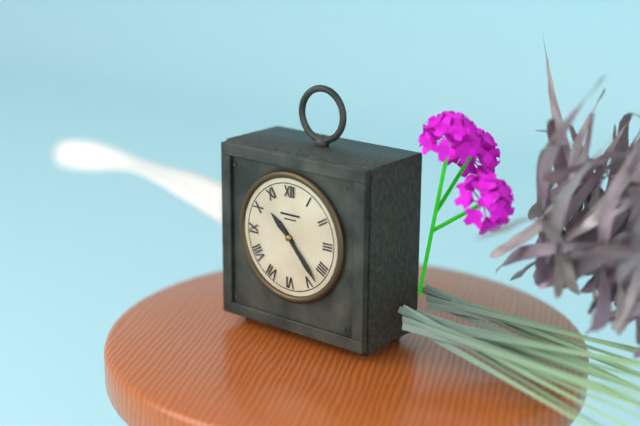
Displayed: 10h23
